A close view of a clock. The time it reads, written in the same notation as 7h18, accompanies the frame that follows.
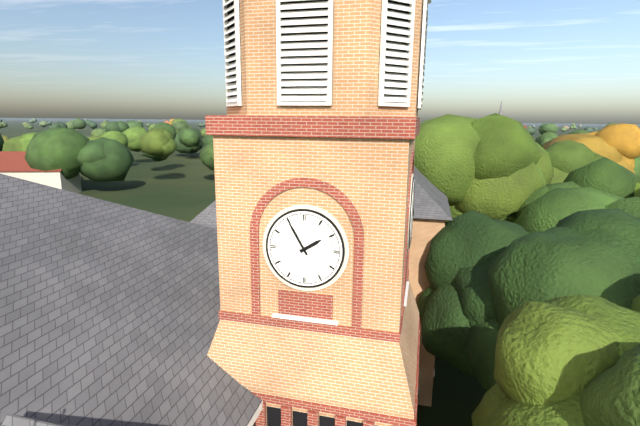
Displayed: 1h55
